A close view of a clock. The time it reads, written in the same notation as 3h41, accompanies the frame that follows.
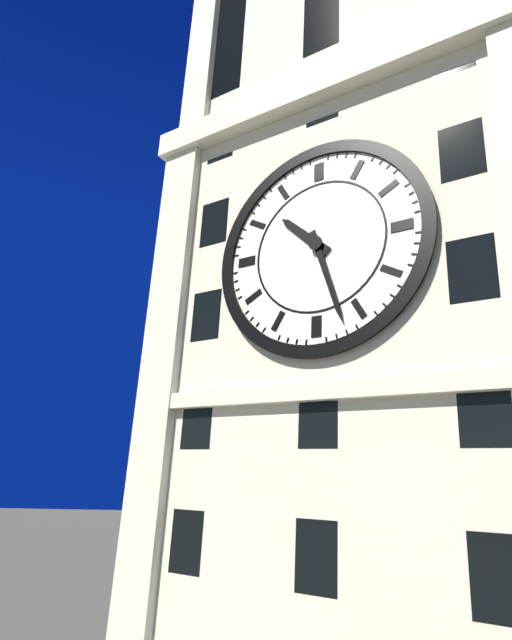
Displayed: 10h27
